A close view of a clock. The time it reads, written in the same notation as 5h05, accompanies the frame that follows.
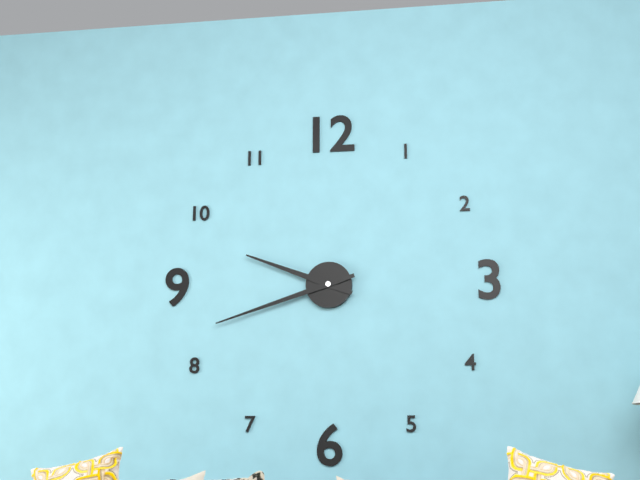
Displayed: 9h42
